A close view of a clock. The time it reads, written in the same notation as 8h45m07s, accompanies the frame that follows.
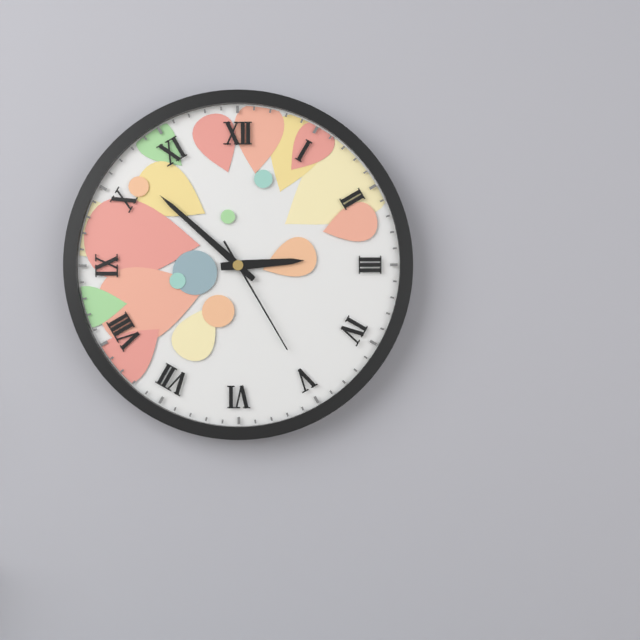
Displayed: 2h52m25s
